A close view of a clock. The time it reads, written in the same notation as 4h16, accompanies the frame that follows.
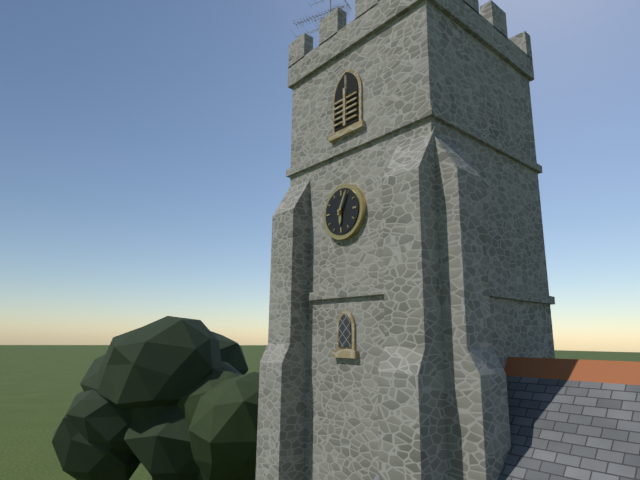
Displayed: 6h04
